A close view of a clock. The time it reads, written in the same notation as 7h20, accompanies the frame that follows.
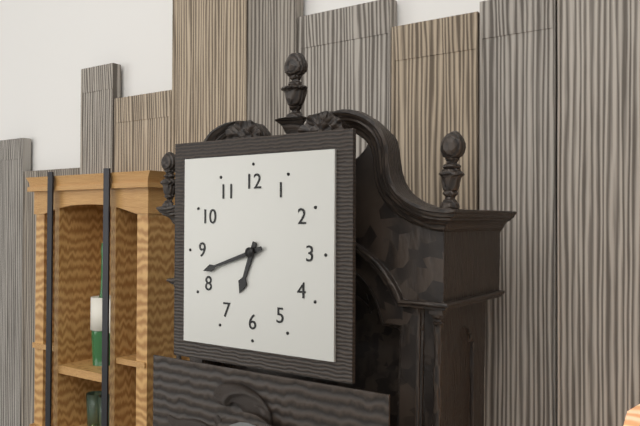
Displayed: 6h42
